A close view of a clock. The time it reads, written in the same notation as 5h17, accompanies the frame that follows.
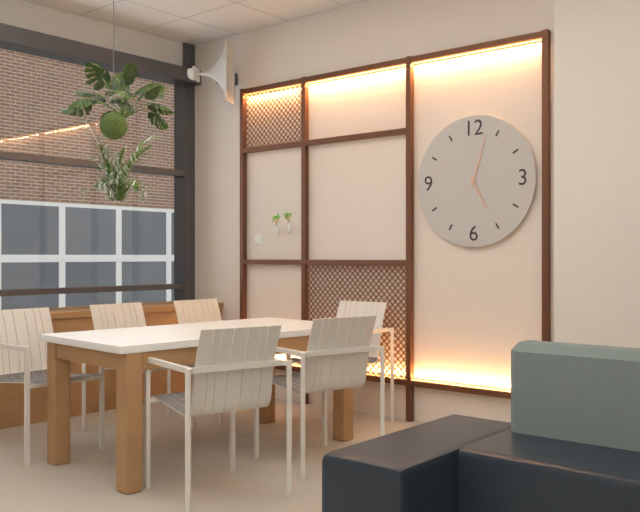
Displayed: 5h03
